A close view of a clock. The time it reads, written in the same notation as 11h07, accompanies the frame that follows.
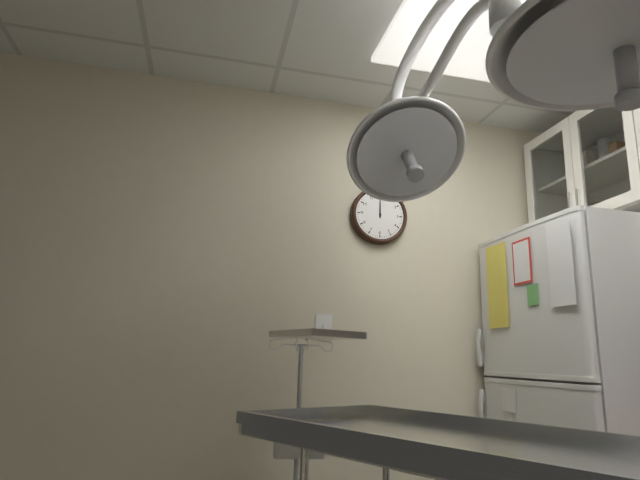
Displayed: 12h00
